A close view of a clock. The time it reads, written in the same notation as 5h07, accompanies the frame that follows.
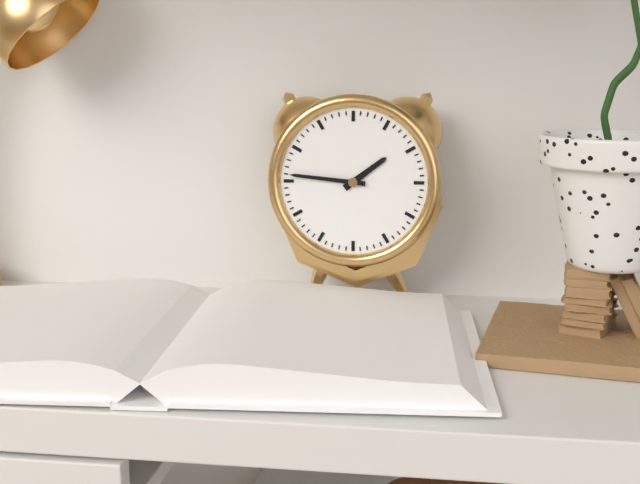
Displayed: 1h46
